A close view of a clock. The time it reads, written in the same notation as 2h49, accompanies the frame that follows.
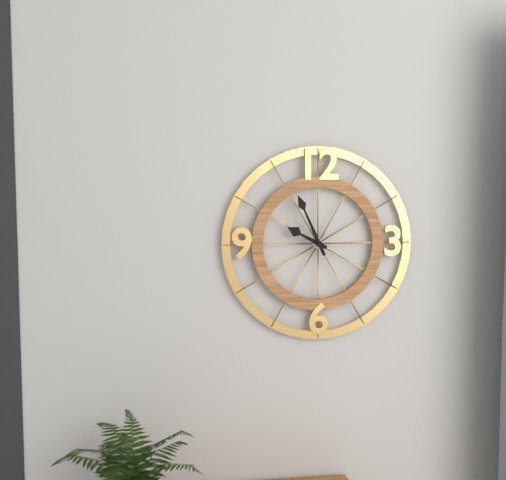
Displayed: 9h56
